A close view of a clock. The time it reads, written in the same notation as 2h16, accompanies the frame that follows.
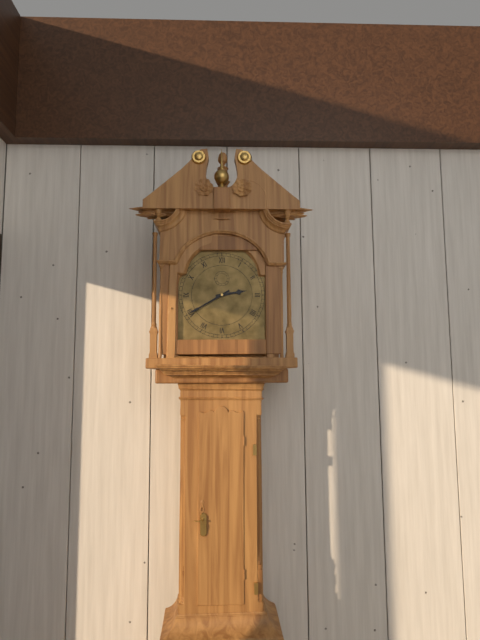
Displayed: 2h40
